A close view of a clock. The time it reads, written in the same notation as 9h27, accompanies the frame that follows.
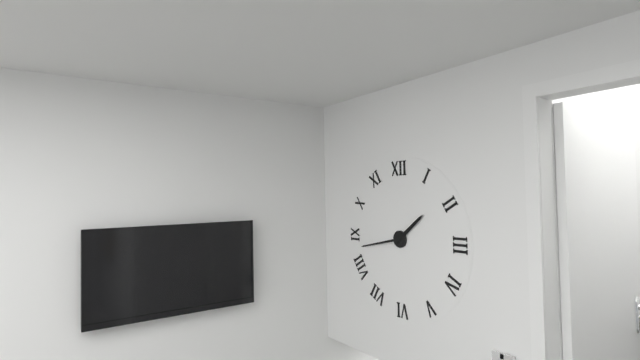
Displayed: 1h43
